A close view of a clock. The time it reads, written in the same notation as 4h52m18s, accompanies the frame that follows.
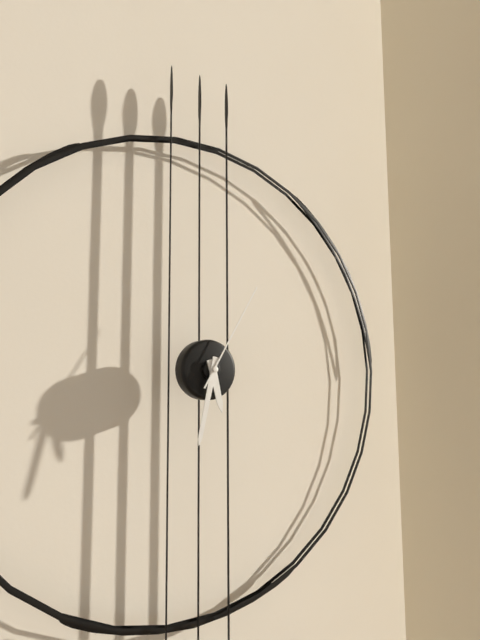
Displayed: 5h32m05s
